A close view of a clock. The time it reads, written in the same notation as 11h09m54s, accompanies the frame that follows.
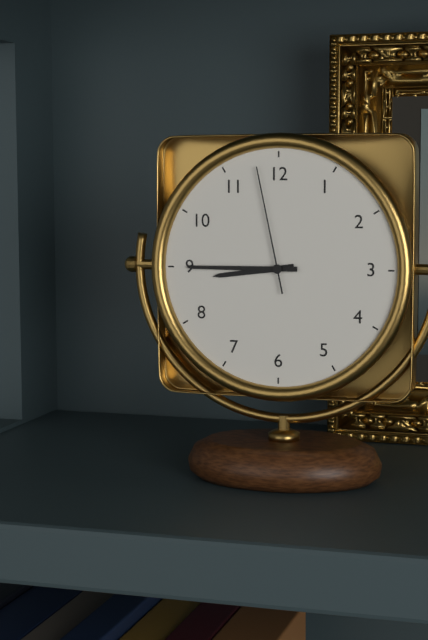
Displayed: 8h45m58s
